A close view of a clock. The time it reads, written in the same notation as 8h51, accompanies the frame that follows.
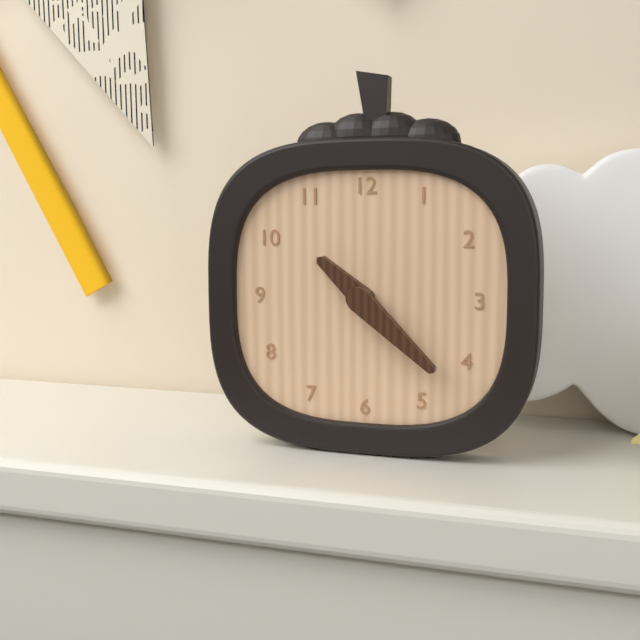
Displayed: 10h22
